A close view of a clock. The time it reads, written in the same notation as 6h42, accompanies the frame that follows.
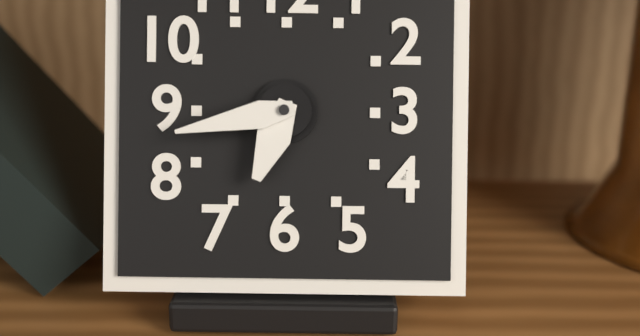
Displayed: 6h43
